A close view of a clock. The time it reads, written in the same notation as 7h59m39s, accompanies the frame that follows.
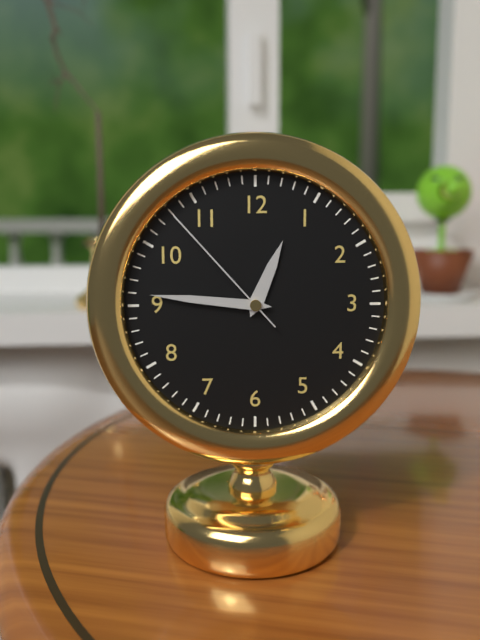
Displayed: 12h46m53s
